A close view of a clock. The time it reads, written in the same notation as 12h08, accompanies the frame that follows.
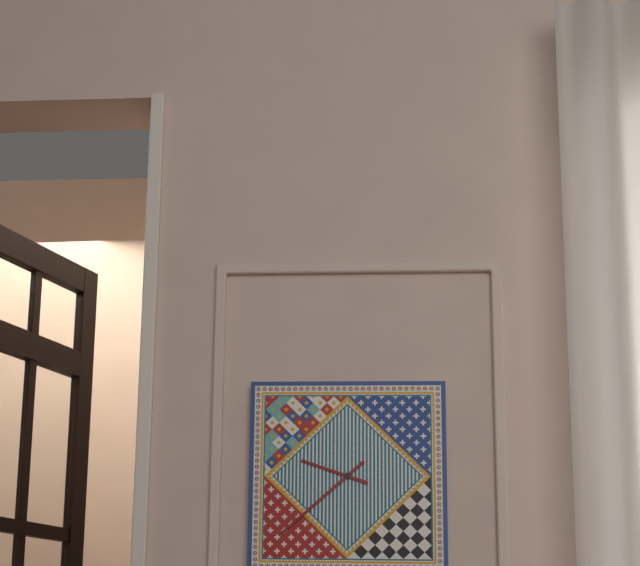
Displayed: 9h38
